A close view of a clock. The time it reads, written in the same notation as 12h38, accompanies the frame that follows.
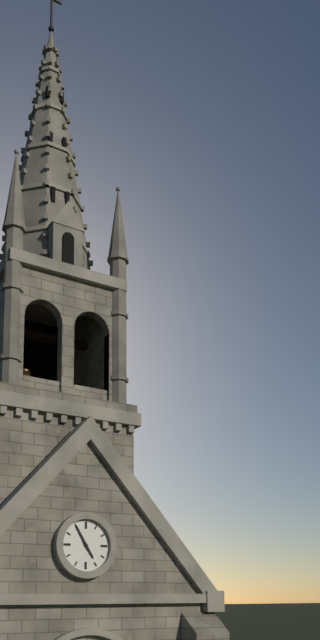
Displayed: 4h55
